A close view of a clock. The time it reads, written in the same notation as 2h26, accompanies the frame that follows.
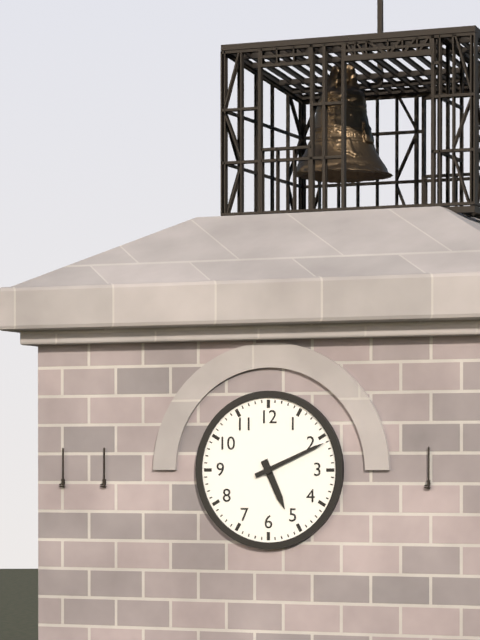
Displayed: 5h11
